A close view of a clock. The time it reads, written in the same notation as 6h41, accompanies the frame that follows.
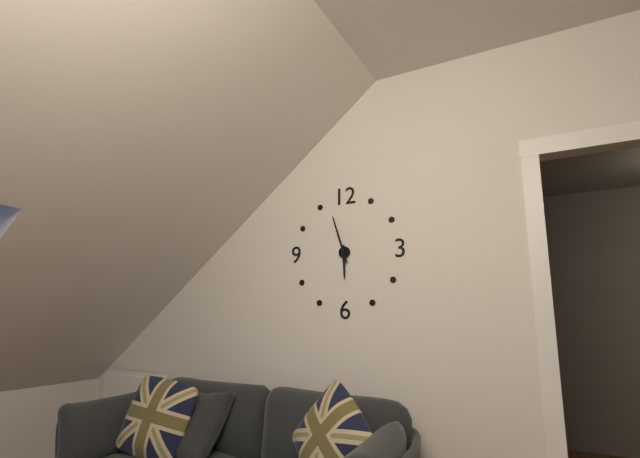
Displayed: 5h57
